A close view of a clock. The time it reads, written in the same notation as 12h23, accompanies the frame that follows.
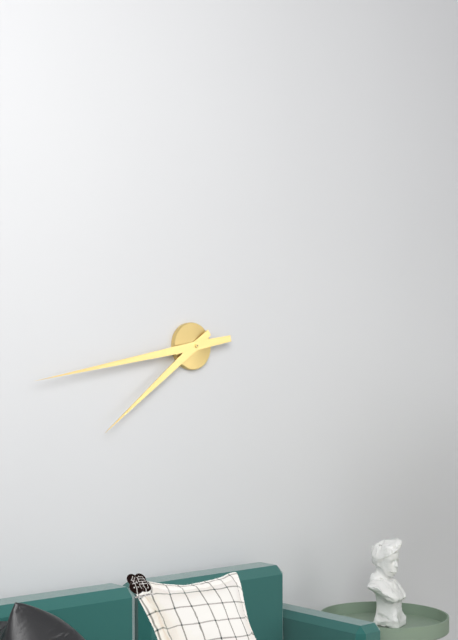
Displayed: 7h43
